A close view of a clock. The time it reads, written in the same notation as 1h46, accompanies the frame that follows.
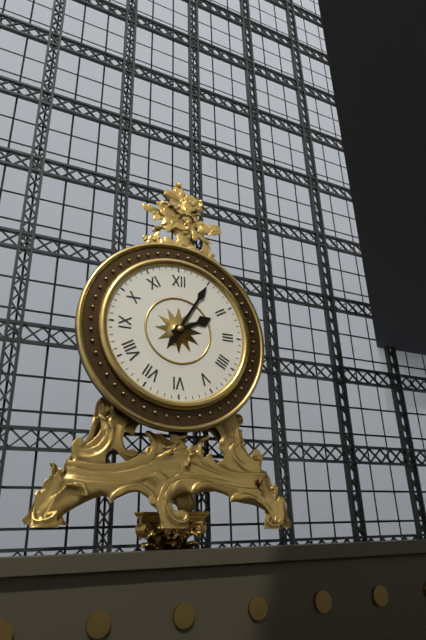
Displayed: 2h05
